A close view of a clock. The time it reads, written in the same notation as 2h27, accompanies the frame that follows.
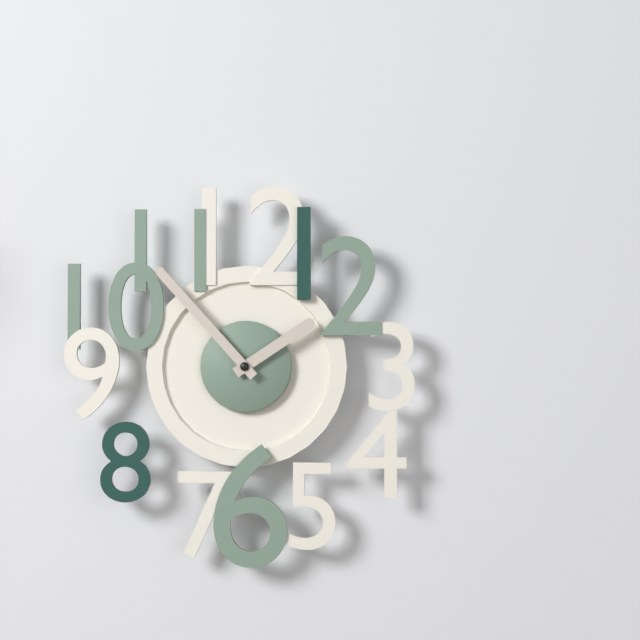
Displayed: 1h53
